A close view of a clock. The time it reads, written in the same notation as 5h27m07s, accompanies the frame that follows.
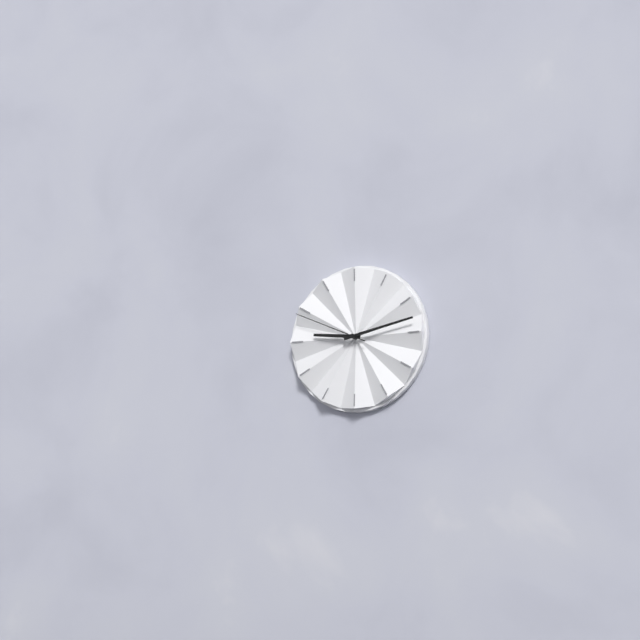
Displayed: 9h13m49s
